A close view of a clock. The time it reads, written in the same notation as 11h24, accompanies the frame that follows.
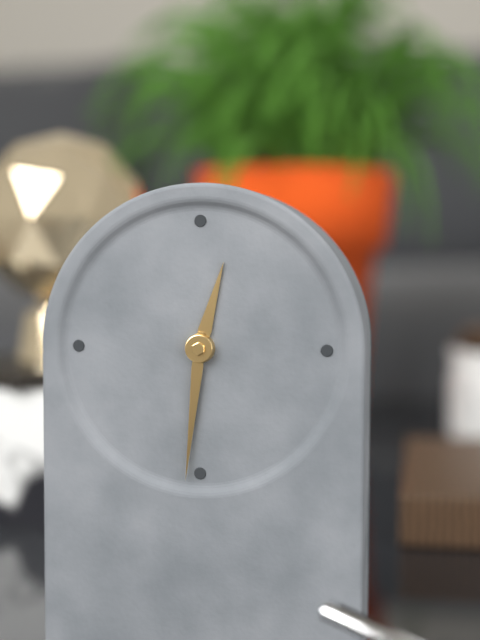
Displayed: 12h31
